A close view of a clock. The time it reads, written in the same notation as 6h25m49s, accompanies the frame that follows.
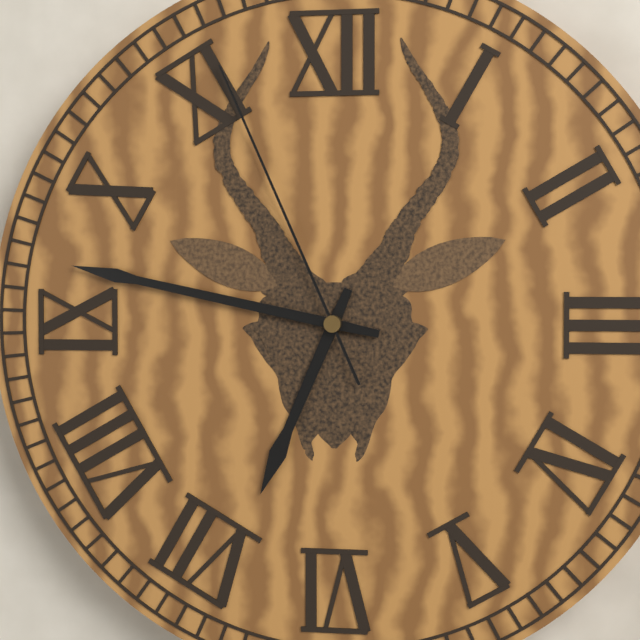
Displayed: 6h47m56s
